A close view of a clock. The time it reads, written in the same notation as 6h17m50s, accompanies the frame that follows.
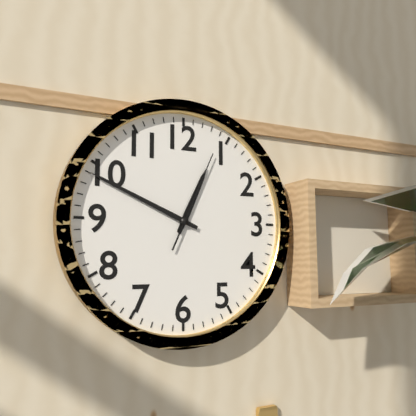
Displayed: 12h49m04s
